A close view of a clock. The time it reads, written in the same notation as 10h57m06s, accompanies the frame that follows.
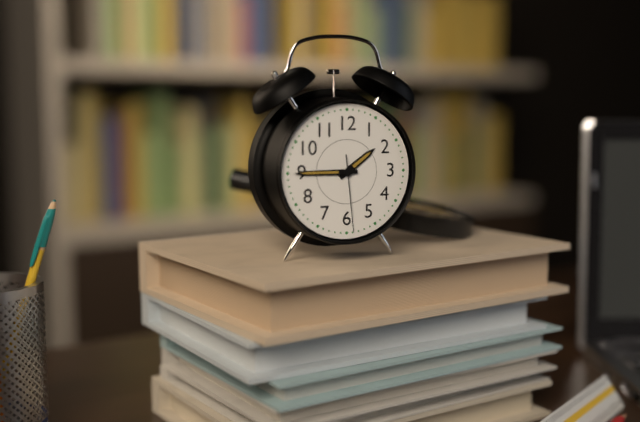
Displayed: 1h45m29s
